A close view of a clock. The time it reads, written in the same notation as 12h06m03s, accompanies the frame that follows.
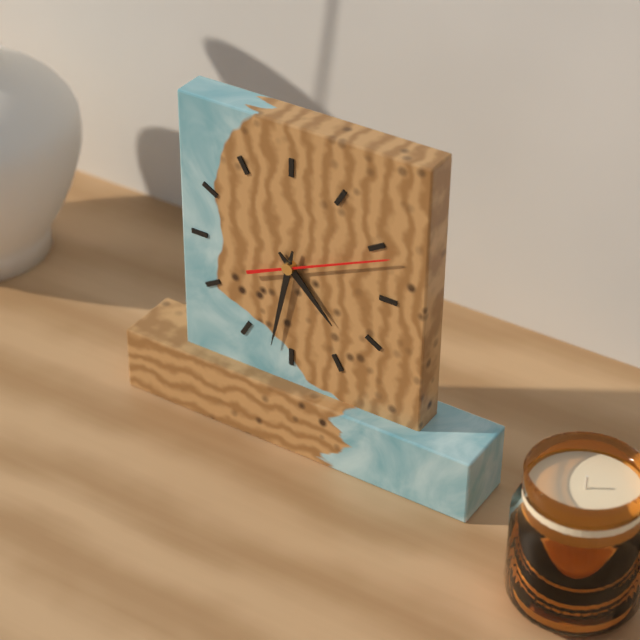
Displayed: 4h32m11s
